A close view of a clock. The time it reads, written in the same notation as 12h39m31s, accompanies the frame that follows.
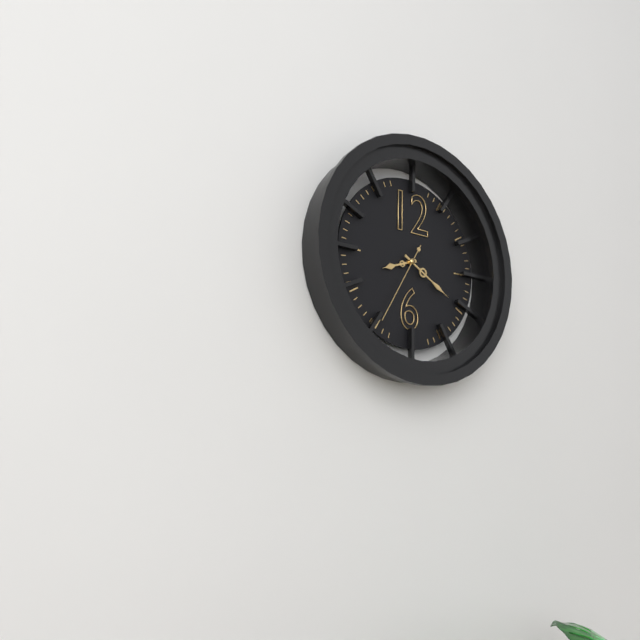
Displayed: 8h20m35s
